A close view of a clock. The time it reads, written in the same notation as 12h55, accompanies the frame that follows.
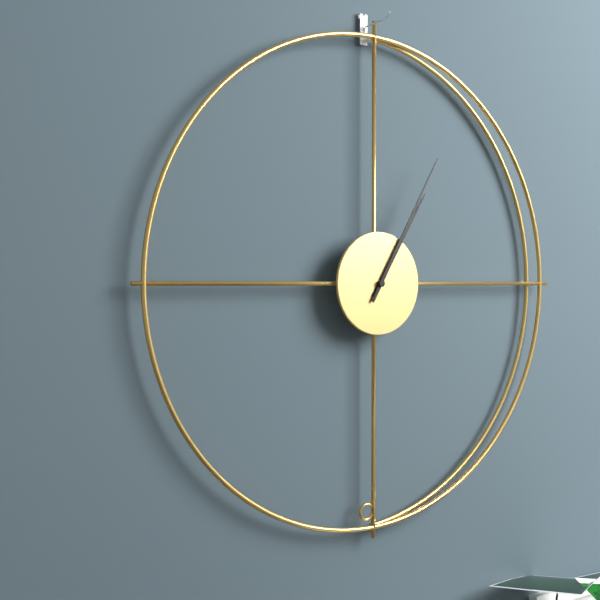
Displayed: 1h05
